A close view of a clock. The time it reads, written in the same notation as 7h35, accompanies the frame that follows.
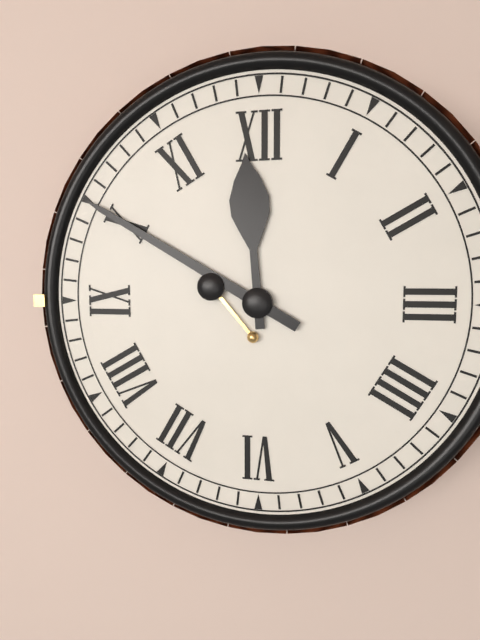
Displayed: 11h50
